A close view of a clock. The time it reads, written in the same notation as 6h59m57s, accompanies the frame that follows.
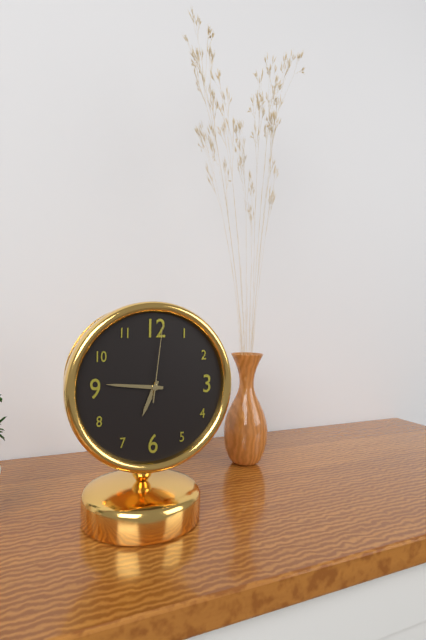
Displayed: 6h46m01s
